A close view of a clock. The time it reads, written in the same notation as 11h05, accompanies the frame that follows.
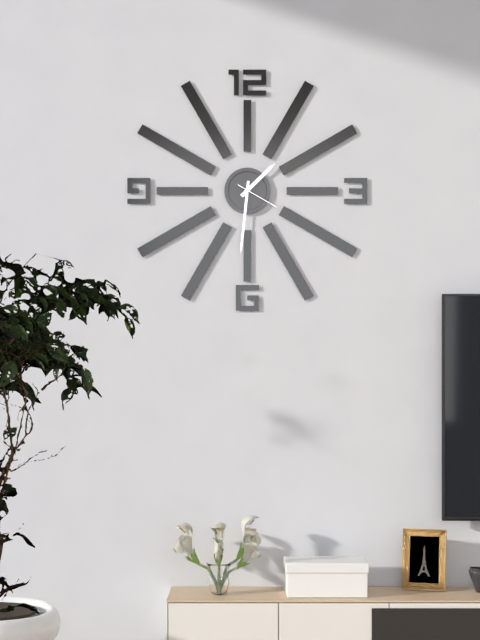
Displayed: 1h31
